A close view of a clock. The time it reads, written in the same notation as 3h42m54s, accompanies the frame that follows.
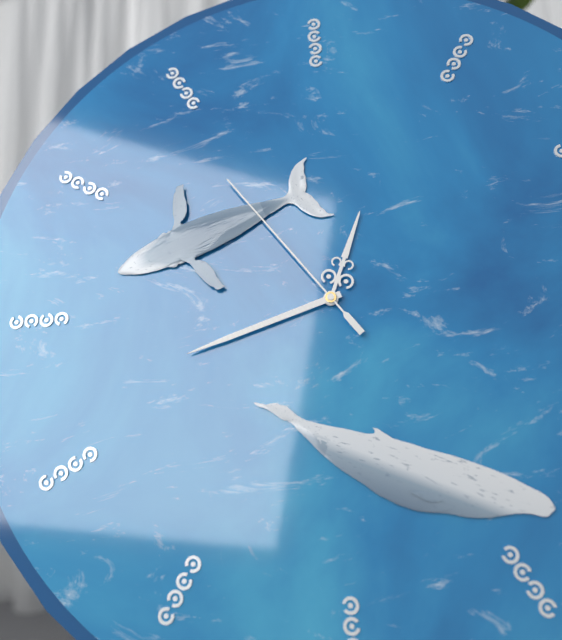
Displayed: 12h42m54s
